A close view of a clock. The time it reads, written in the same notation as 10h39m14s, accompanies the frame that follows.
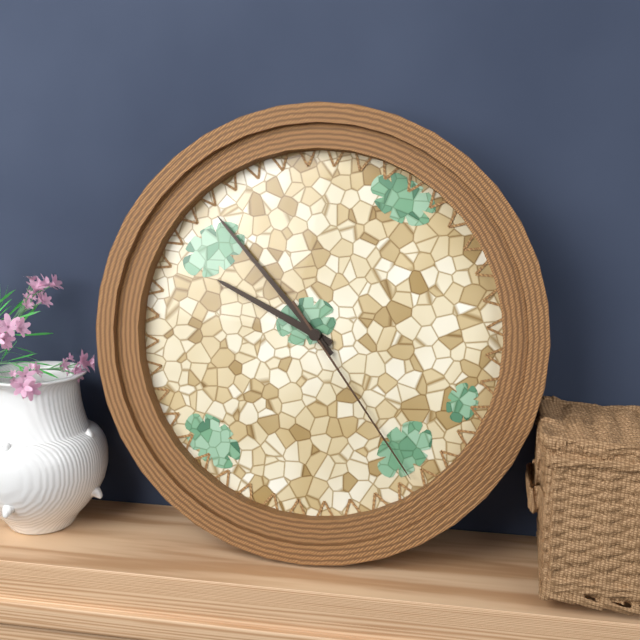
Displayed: 9h53m24s
